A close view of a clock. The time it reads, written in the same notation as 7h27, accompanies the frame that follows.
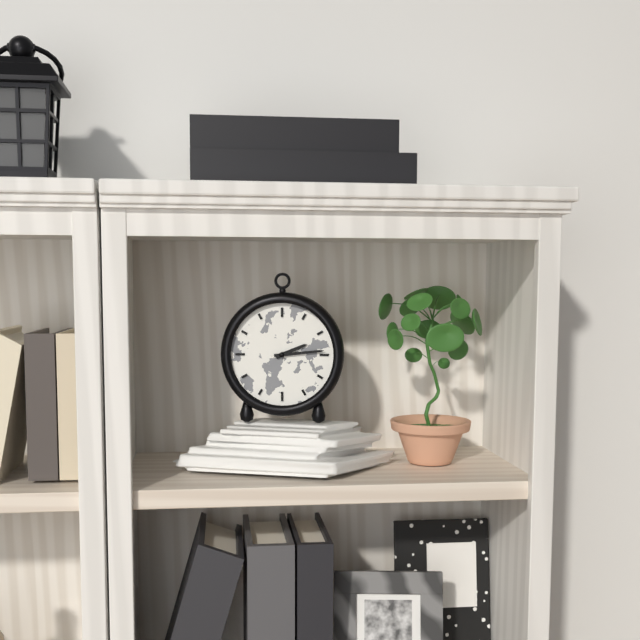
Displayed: 2h14
